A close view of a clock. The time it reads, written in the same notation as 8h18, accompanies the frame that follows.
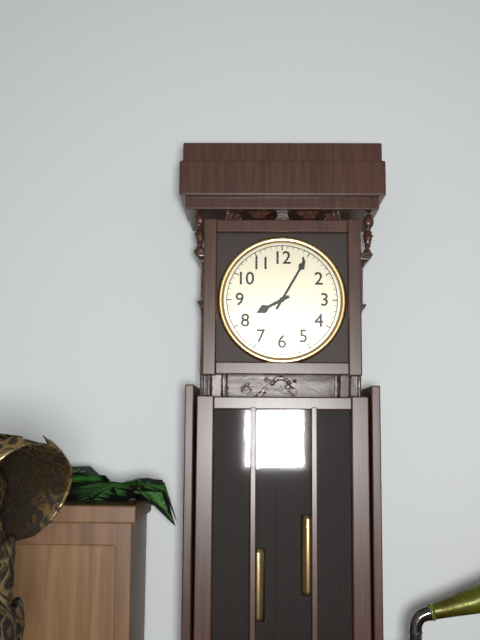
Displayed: 8h05
